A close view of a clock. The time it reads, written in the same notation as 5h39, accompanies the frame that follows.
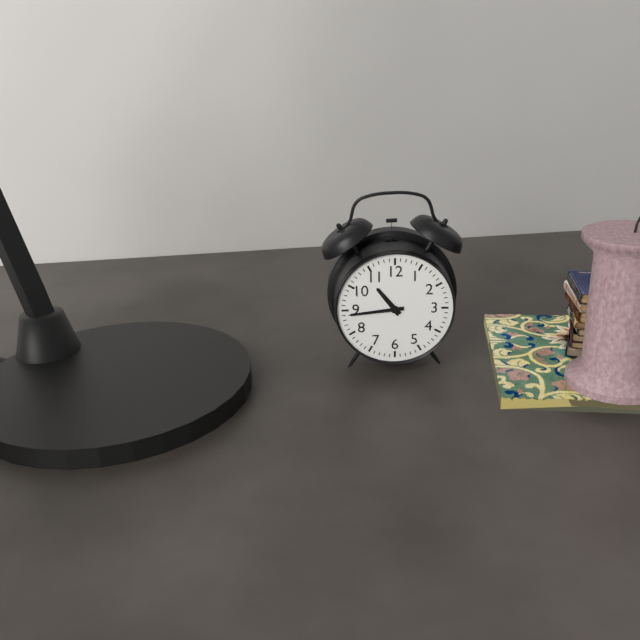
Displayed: 10h44
